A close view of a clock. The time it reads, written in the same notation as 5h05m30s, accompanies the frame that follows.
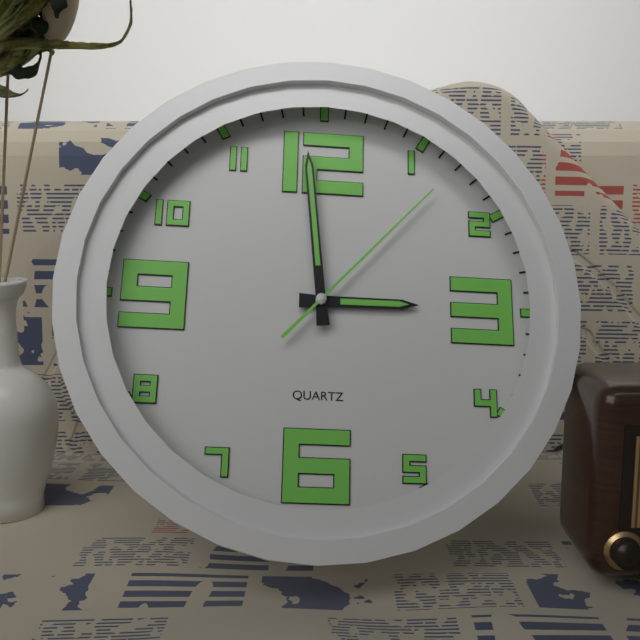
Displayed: 2h59m07s
